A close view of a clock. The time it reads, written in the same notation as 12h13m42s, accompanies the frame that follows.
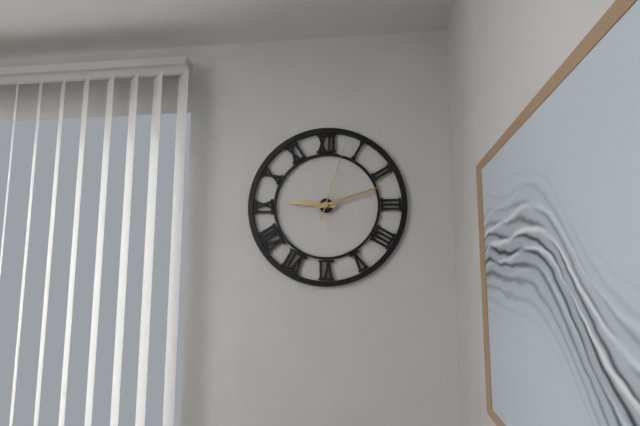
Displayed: 9h12m03s
